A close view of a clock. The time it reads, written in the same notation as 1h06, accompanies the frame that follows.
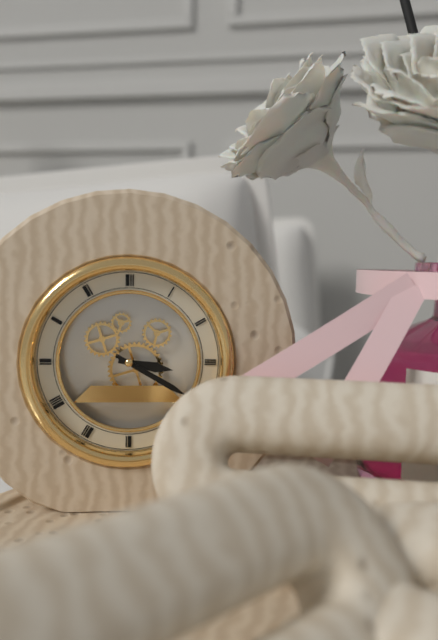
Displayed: 3h20
